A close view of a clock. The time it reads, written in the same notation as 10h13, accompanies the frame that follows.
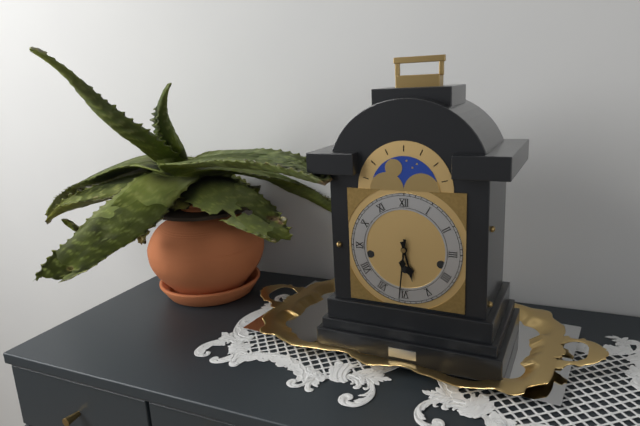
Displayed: 5h31
